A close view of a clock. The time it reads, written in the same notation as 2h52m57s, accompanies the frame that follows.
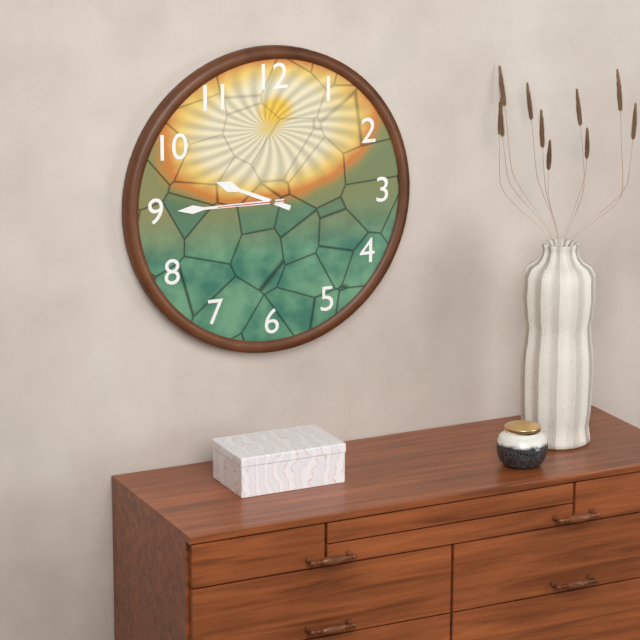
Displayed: 9h45m45s
